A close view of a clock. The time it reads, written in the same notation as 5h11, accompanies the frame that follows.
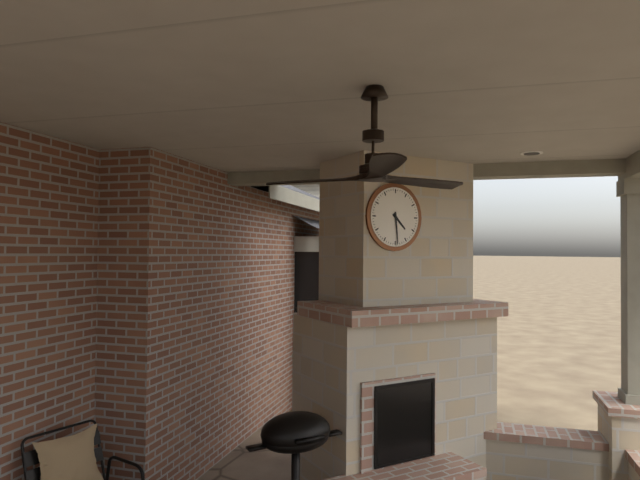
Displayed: 4h29
